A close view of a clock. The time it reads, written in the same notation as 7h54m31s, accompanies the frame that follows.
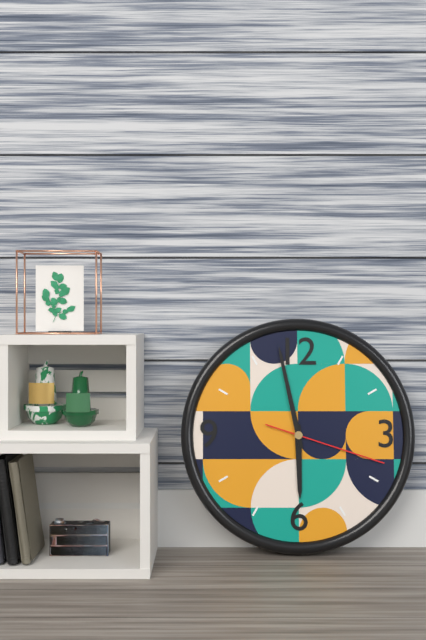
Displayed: 5h58m18s
